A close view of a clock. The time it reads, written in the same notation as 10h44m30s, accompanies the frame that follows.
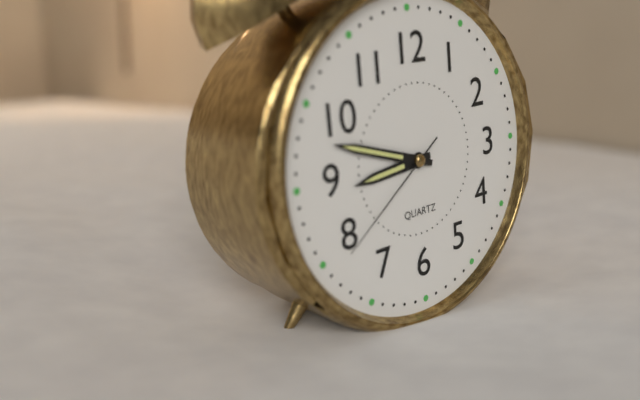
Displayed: 8h48m39s
